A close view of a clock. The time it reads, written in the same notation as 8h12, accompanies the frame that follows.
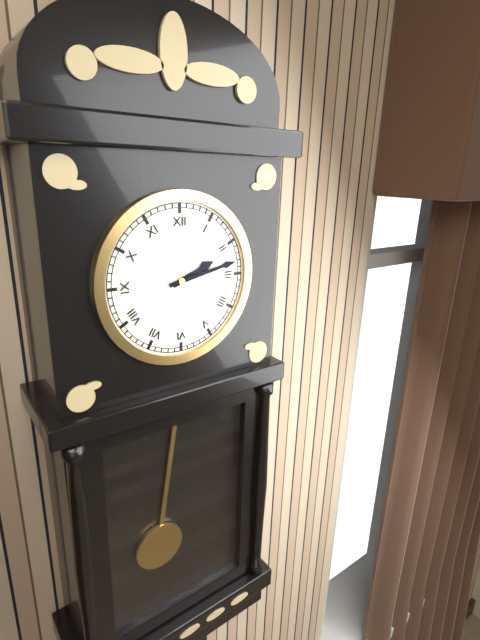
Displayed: 2h13
